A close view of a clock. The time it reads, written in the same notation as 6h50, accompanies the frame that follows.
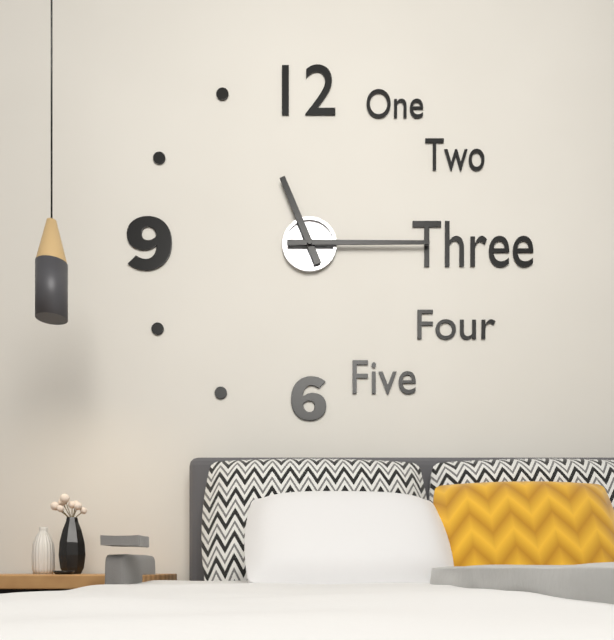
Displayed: 11h15
